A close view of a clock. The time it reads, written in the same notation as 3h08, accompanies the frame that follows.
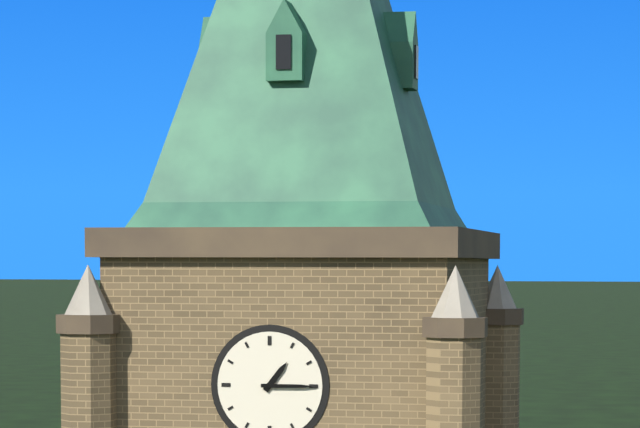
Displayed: 1h15
